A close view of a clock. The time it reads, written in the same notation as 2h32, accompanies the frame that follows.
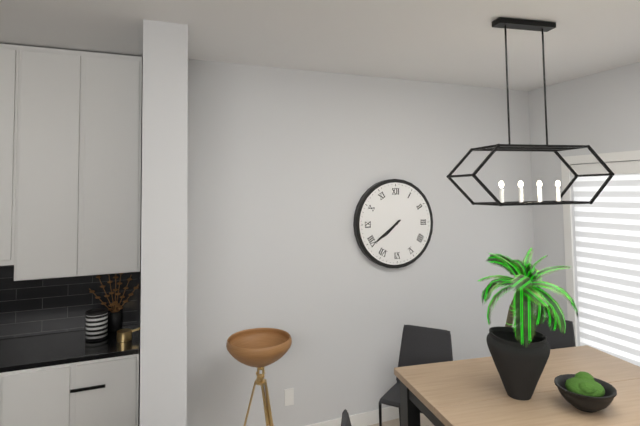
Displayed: 7h39
